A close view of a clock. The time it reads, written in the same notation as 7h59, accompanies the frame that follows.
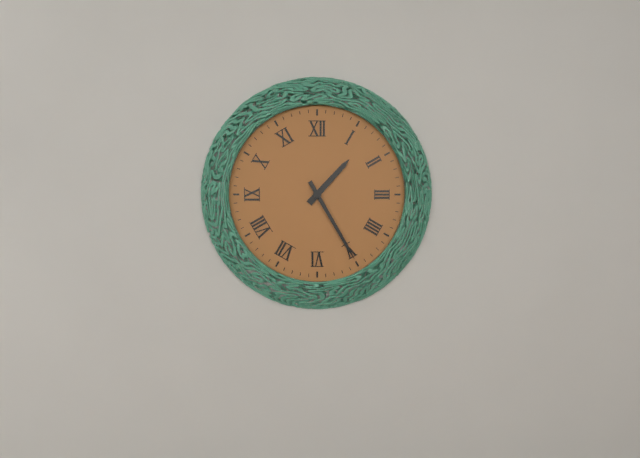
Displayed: 1h25
